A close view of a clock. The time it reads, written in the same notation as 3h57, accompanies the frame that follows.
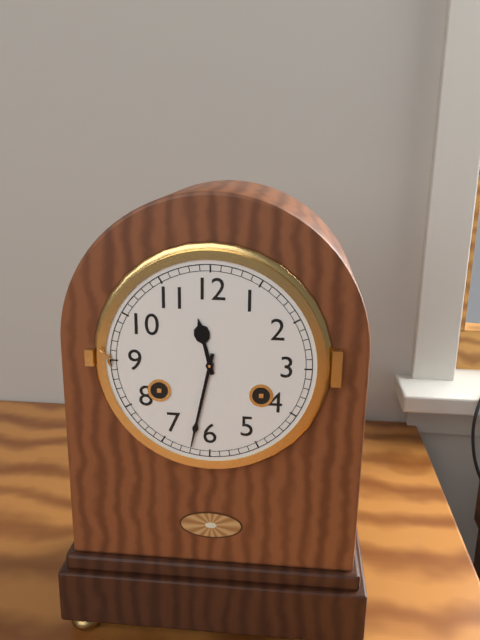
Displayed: 11h32
